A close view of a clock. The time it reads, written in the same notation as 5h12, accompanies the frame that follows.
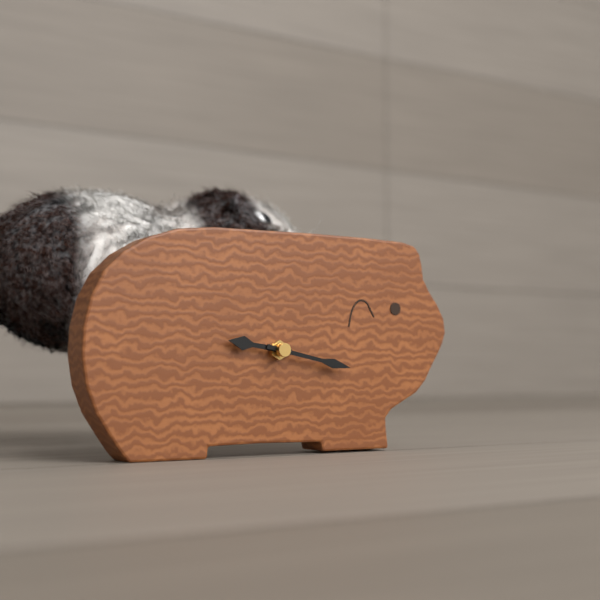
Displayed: 9h17
